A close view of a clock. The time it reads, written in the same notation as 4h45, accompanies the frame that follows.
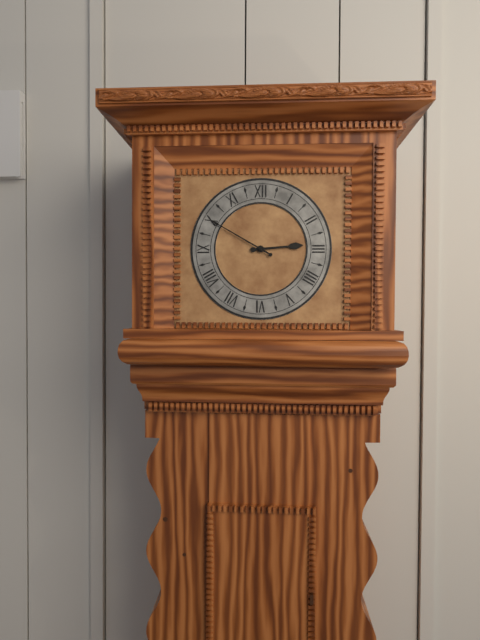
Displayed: 2h50
